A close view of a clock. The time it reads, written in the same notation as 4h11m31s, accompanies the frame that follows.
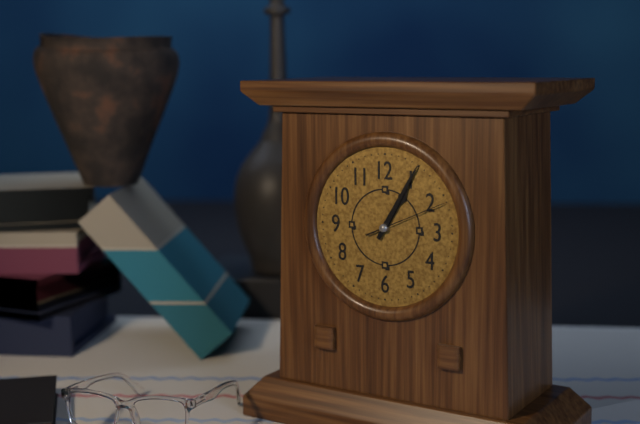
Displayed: 1h05m11s
